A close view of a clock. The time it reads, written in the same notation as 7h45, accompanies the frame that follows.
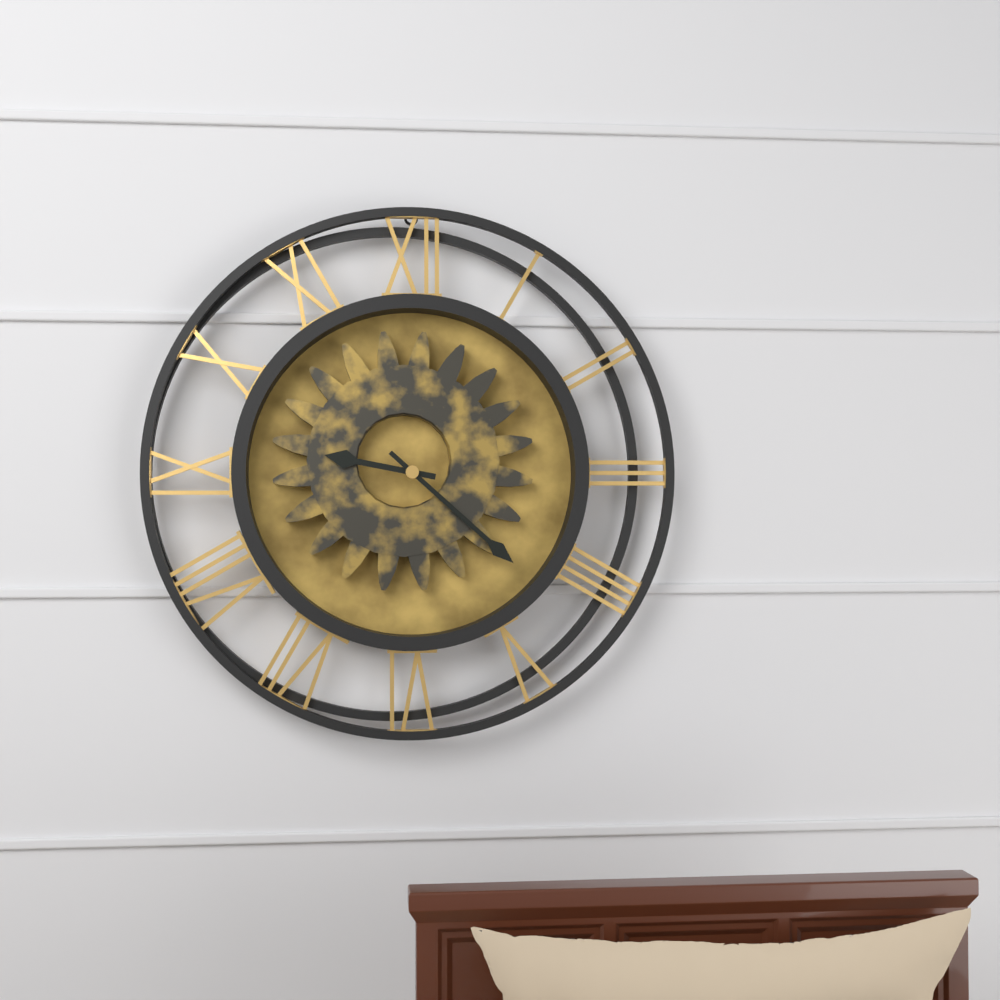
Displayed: 9h22
